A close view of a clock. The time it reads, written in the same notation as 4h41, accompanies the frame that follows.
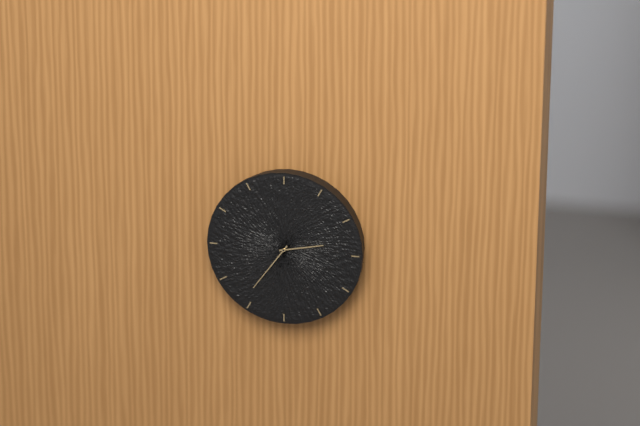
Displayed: 2h36
